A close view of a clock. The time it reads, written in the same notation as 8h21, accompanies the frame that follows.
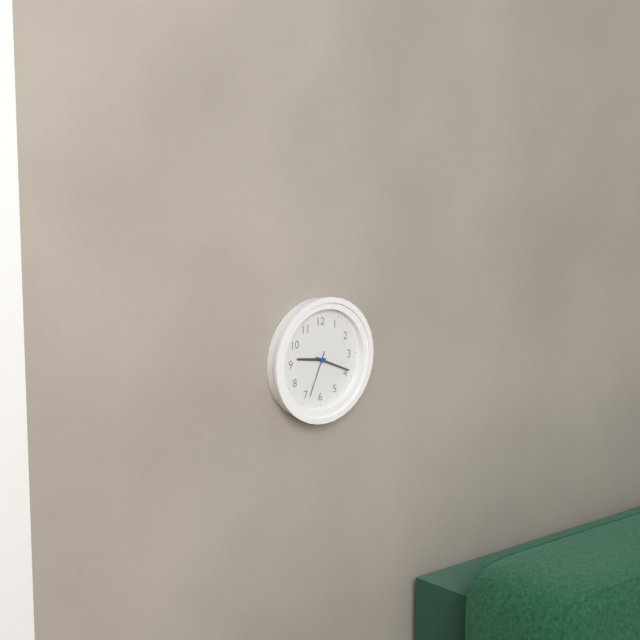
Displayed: 9h19
